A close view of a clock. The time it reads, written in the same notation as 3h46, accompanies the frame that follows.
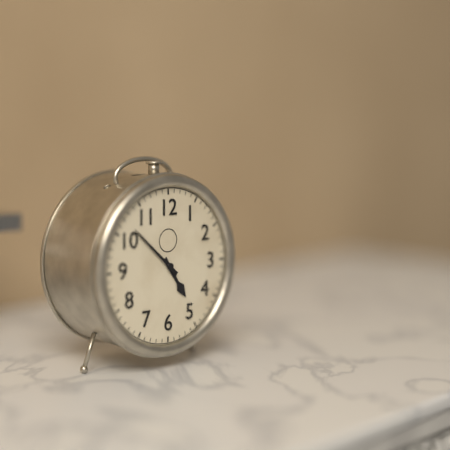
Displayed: 4h52
